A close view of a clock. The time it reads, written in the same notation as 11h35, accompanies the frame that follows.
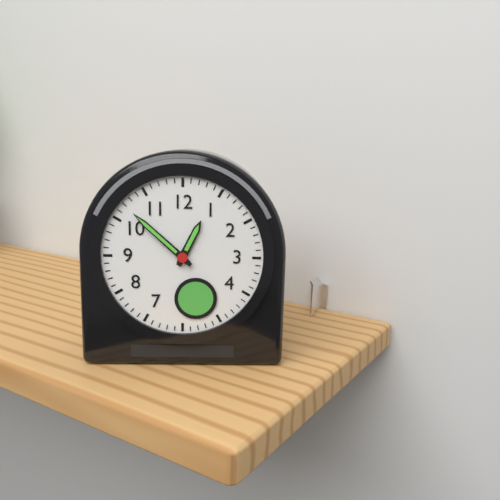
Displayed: 12h52
